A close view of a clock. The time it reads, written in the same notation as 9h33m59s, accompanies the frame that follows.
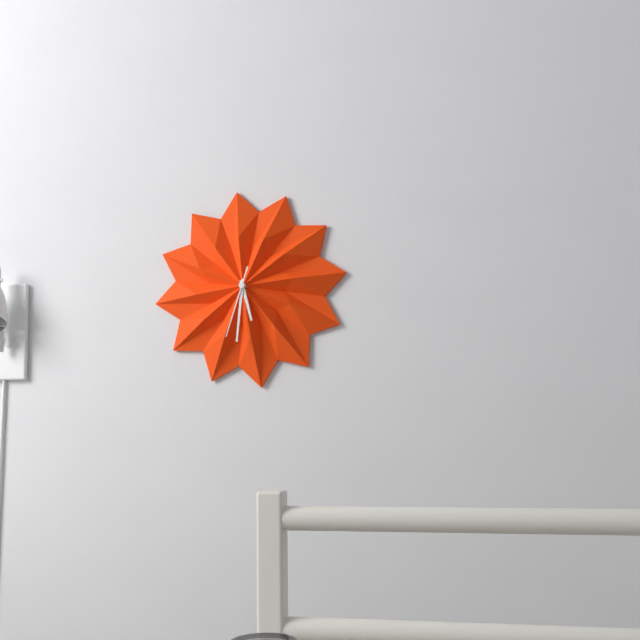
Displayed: 5h31m33s
